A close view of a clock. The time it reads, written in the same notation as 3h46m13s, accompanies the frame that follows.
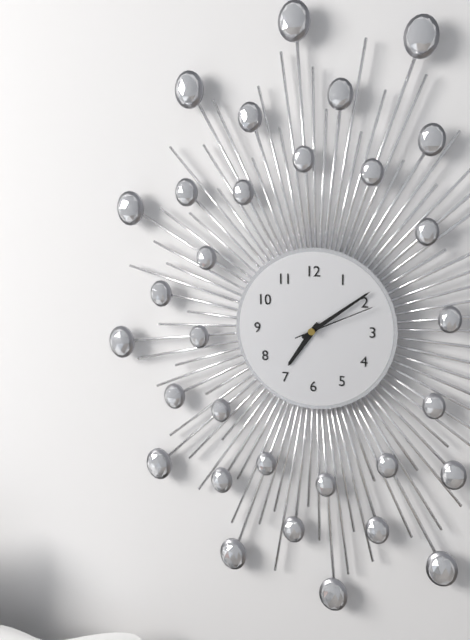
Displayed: 7h09m11s
